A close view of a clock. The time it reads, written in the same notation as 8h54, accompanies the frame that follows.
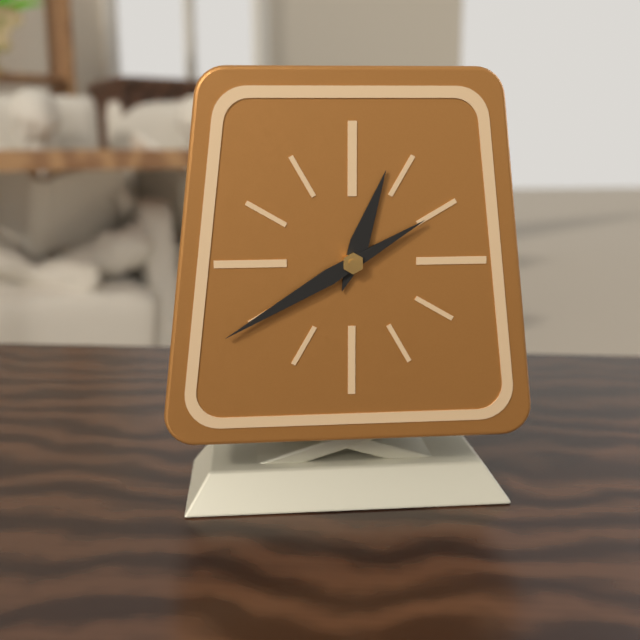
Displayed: 12h40
